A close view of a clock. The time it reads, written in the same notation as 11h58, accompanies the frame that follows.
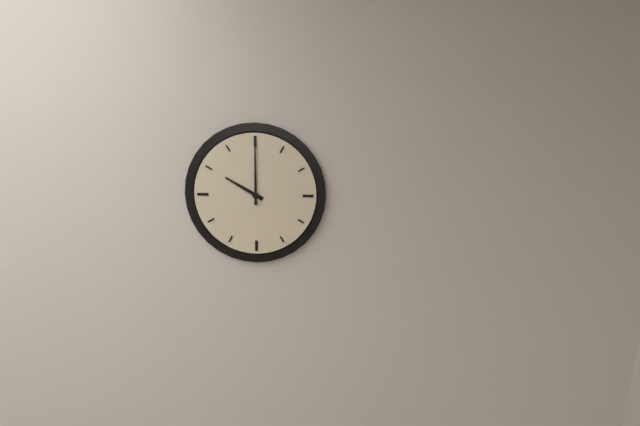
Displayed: 10h00
